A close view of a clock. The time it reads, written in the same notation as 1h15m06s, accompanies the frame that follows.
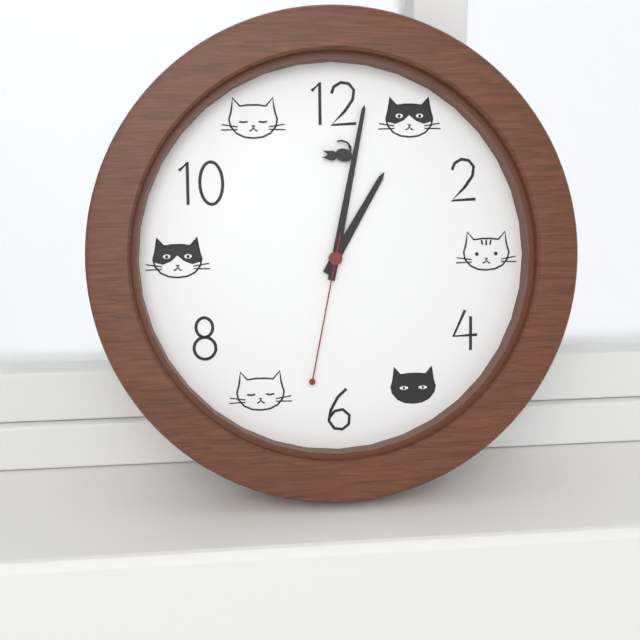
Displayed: 1h02m32s
